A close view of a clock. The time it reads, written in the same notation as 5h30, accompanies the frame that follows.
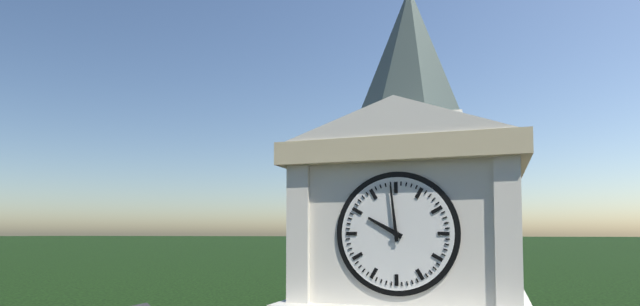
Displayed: 9h59
